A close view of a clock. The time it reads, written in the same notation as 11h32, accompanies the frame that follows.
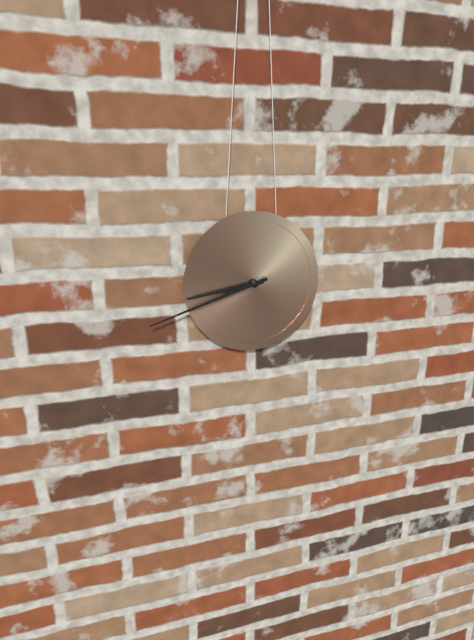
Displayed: 8h42
